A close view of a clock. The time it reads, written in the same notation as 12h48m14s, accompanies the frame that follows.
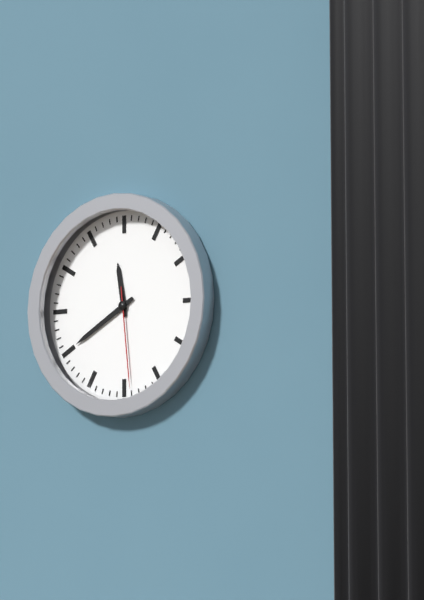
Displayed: 11h40m29s
